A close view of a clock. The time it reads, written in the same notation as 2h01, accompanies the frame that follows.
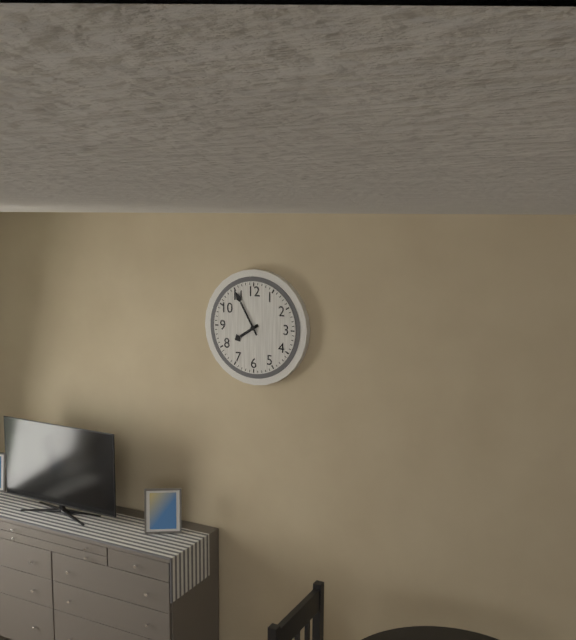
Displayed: 7h55
